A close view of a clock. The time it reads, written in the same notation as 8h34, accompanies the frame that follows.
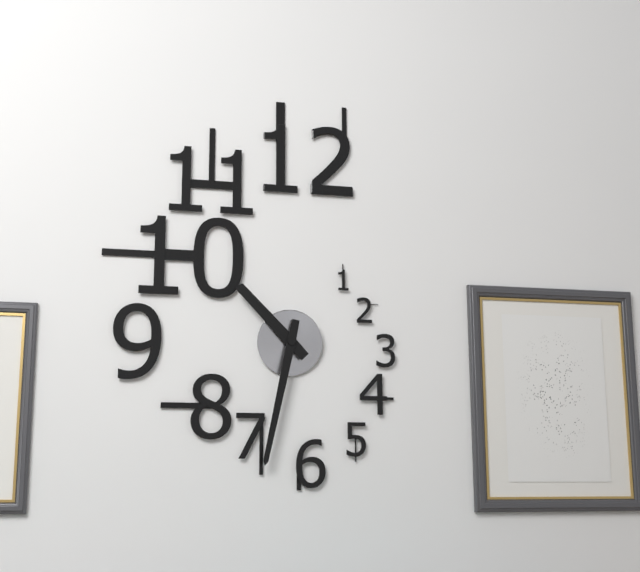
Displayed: 10h32
